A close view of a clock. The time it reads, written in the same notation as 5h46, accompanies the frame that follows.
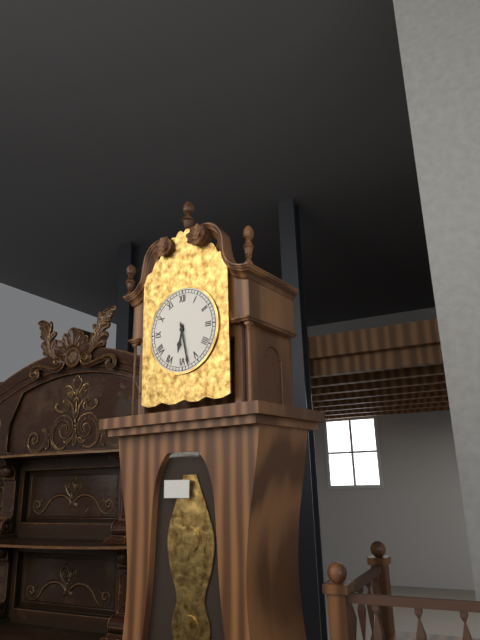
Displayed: 6h28
